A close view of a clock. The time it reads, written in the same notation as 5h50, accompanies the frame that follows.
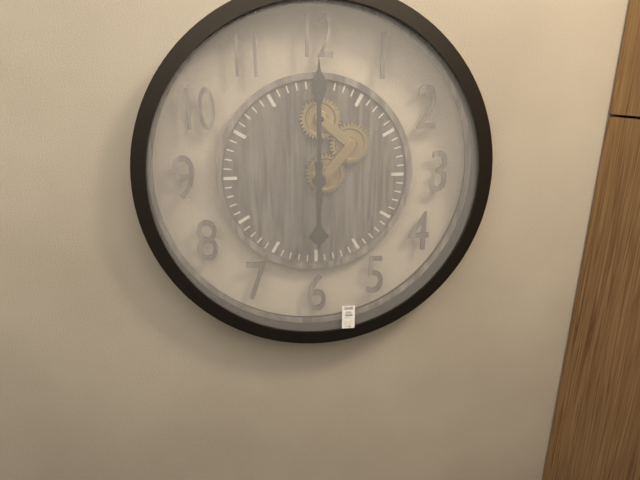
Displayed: 6h00
